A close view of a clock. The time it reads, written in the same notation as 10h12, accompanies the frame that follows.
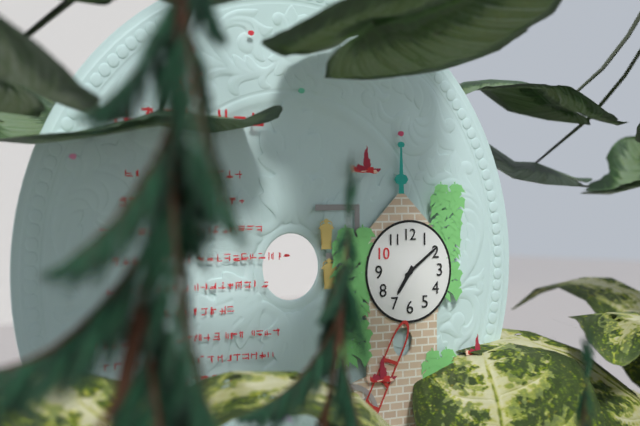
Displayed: 7h09
